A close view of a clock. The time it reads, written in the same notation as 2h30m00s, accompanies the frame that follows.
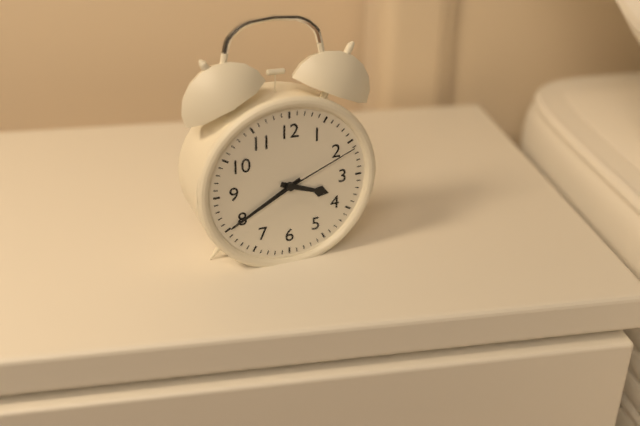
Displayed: 3h40m11s
